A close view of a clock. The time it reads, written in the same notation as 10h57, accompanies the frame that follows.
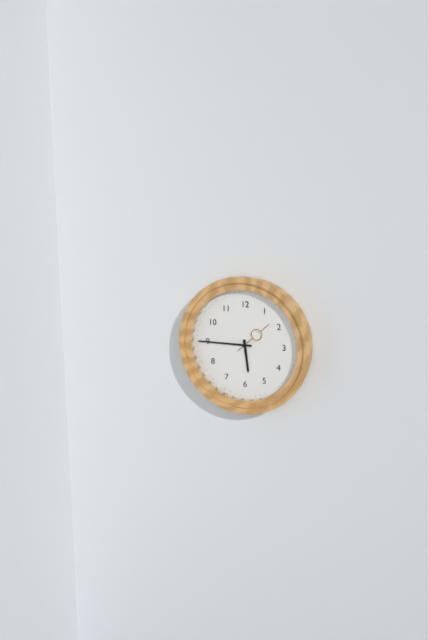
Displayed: 5h45
